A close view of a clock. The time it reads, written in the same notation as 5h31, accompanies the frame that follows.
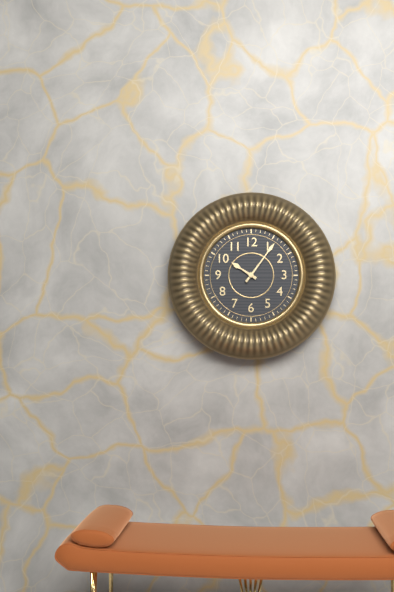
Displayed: 10h06
